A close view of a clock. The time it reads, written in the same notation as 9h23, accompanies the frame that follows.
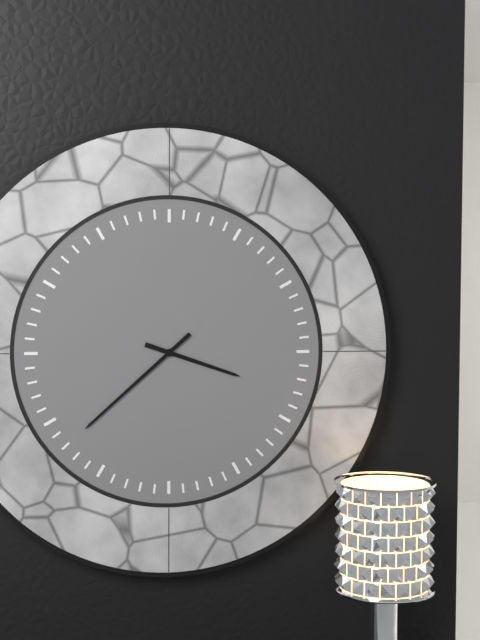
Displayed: 3h38
